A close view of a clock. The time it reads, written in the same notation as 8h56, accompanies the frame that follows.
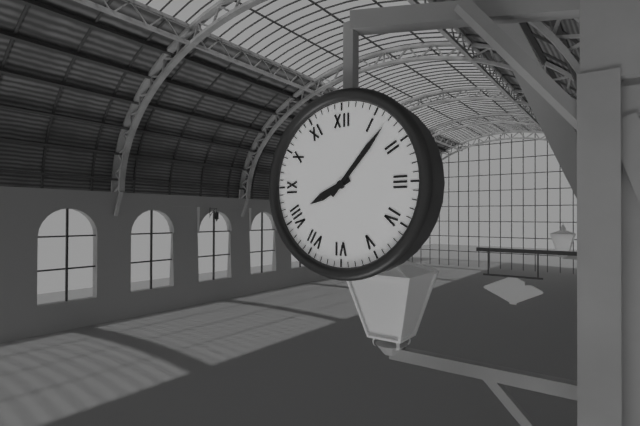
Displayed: 8h07
